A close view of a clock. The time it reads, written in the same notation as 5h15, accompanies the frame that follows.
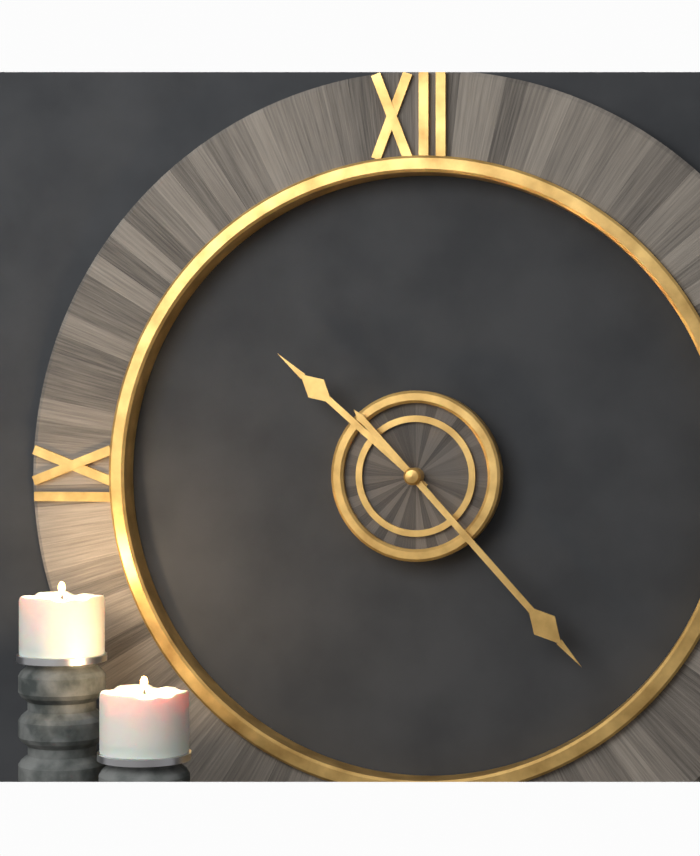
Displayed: 10h23
